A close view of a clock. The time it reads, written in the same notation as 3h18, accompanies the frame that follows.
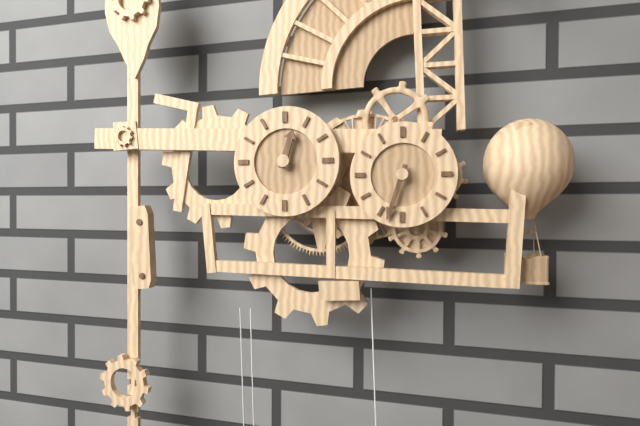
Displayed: 12h33
